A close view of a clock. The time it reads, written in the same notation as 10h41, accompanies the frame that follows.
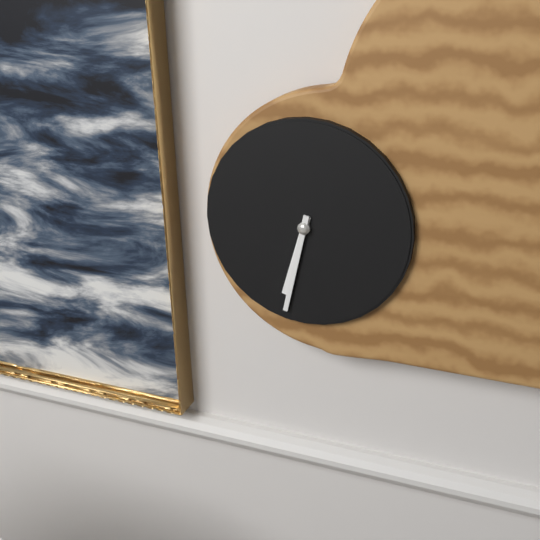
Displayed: 6h32
